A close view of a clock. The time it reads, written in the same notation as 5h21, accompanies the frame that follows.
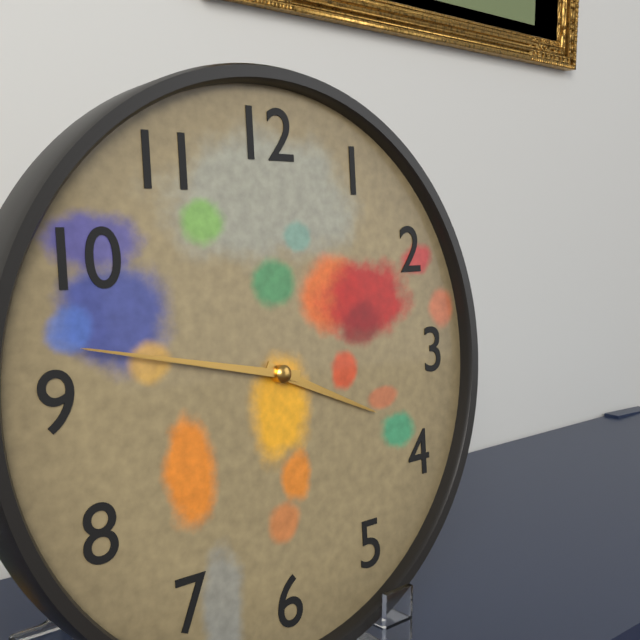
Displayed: 3h47
